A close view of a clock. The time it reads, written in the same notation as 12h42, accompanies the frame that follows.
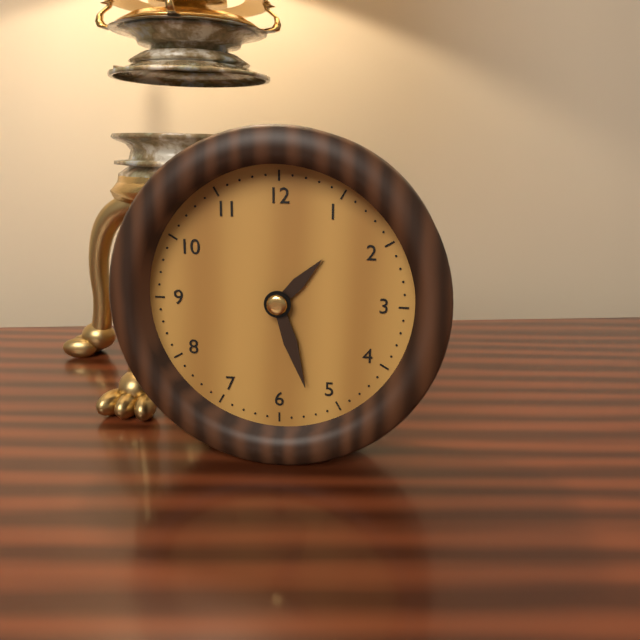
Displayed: 1h27
